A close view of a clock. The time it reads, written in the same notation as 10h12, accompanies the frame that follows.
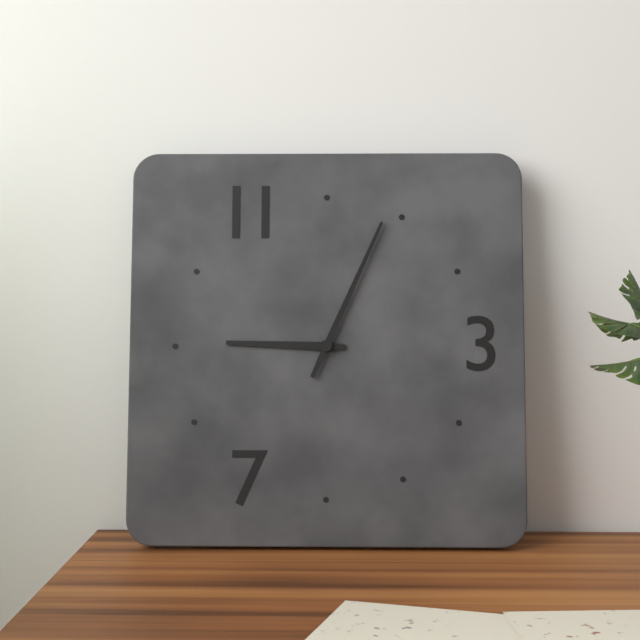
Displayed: 9h04
